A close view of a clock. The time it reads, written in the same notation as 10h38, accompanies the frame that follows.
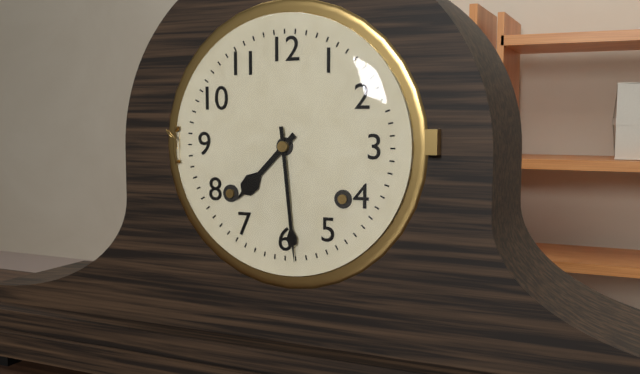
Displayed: 7h29
